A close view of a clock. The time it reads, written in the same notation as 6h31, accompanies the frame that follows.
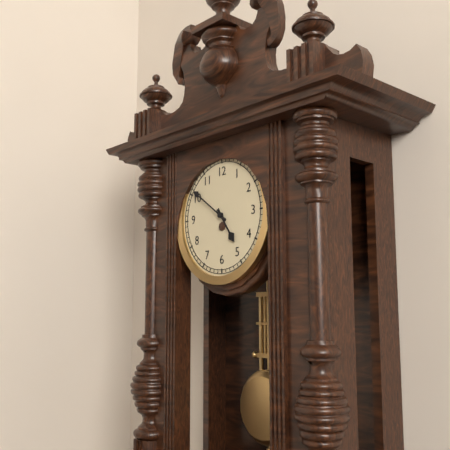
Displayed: 4h51
